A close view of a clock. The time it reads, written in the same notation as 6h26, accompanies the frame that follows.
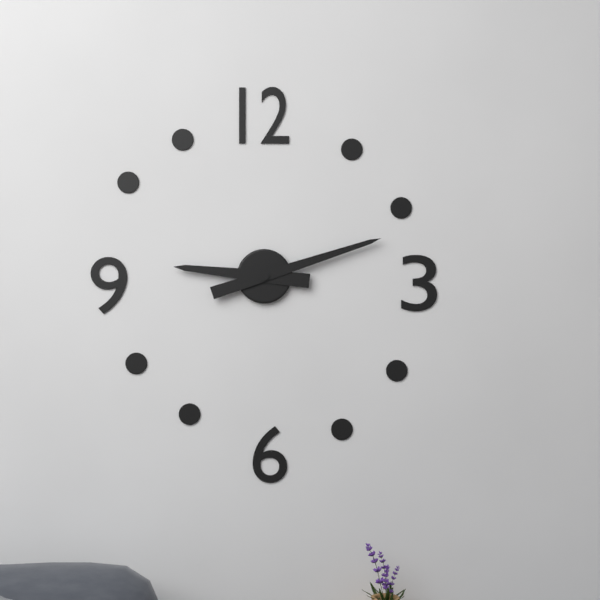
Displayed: 9h12
